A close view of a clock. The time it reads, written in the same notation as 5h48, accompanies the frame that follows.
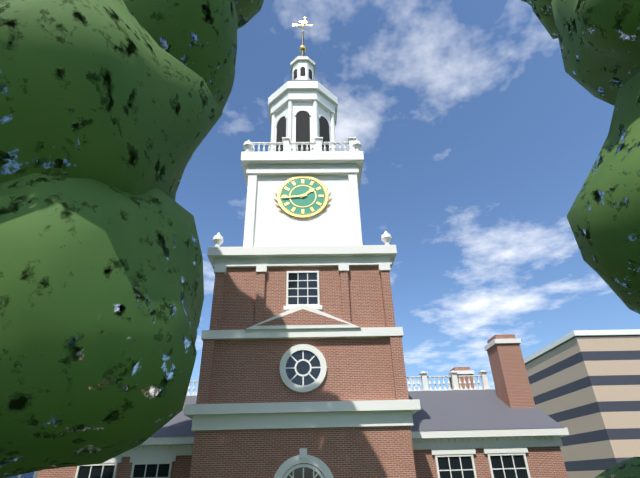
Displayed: 1h44
